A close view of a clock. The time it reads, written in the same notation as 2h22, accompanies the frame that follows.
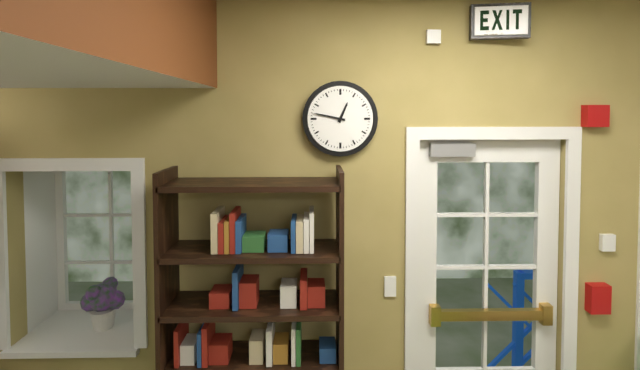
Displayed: 12h47
